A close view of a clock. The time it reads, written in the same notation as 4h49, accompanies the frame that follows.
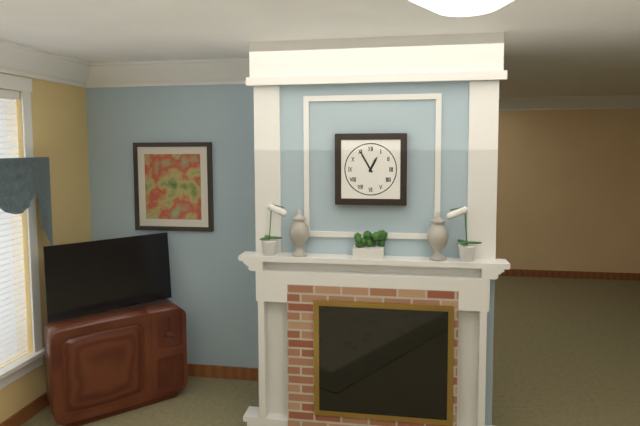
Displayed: 12h55
